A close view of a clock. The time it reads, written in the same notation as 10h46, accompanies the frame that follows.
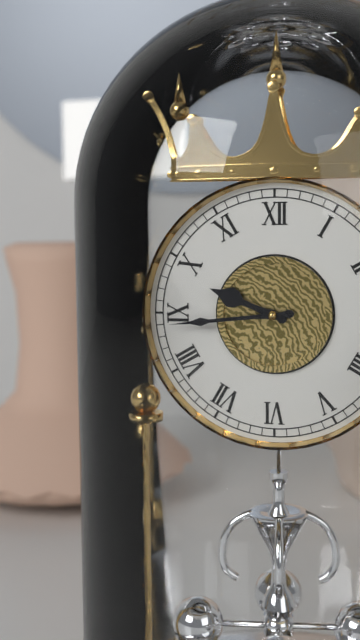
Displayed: 9h44
